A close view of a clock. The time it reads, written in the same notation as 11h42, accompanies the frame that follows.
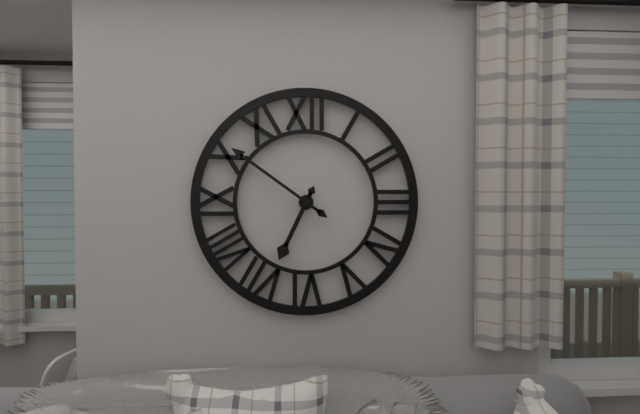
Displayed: 6h51
